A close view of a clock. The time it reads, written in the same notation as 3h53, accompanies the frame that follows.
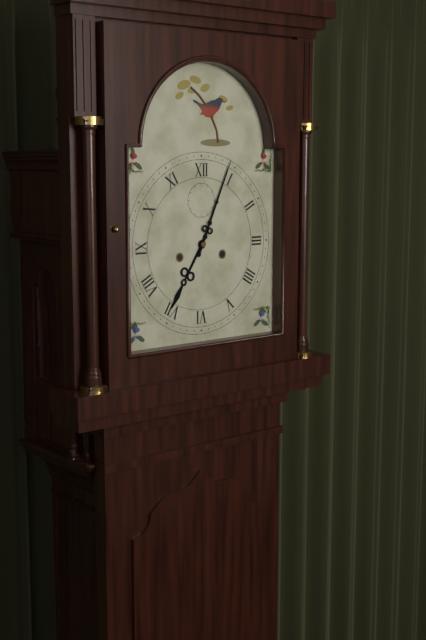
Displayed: 7h04
